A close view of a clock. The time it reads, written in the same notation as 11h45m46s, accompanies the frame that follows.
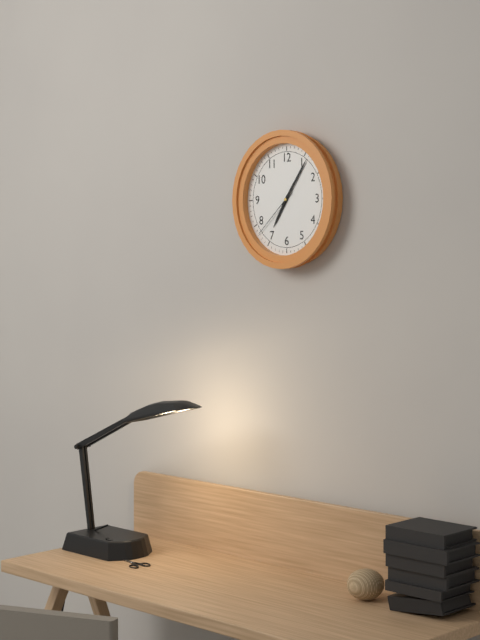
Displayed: 7h06m38s
